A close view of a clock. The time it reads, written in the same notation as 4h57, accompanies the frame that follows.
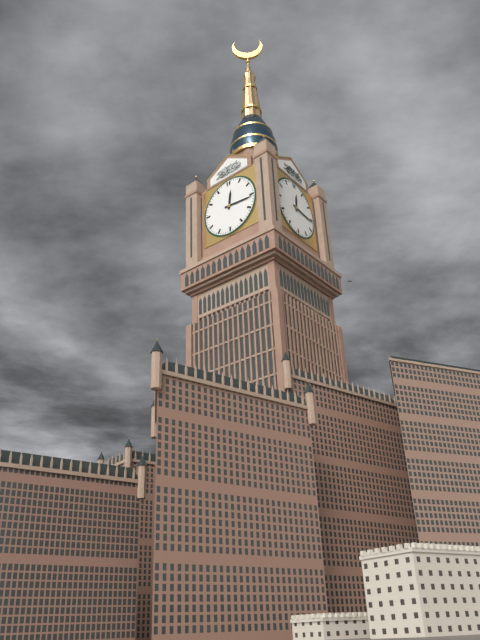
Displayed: 12h16
